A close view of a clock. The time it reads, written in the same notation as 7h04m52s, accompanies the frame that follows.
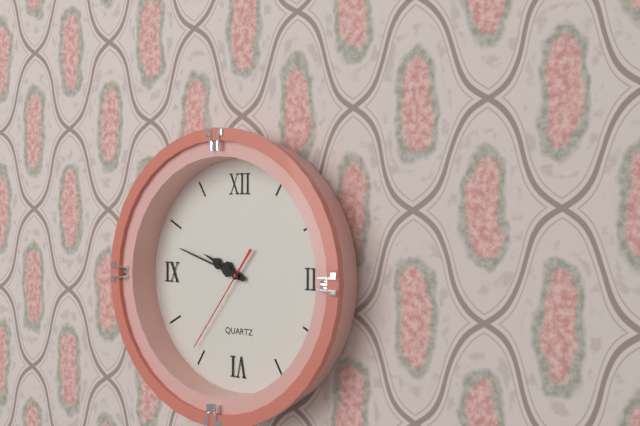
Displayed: 9h48m36s
